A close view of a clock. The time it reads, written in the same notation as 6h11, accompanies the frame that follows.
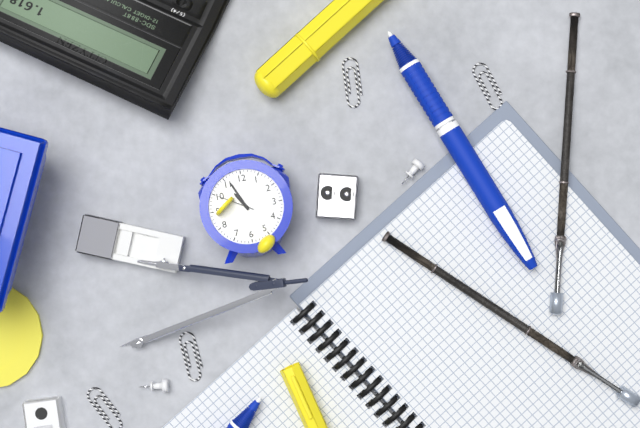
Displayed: 10h56
